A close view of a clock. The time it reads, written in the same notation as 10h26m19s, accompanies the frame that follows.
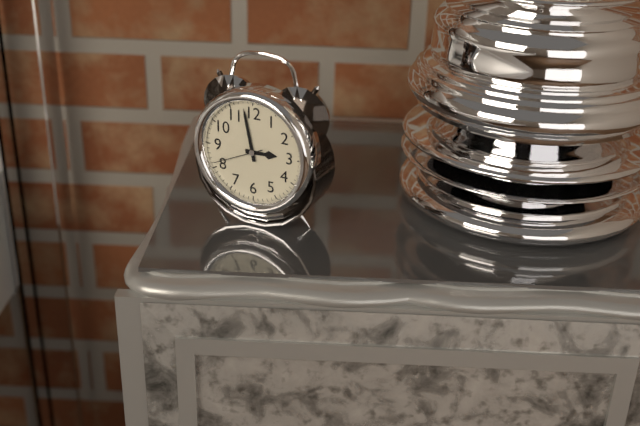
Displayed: 2h58m41s
